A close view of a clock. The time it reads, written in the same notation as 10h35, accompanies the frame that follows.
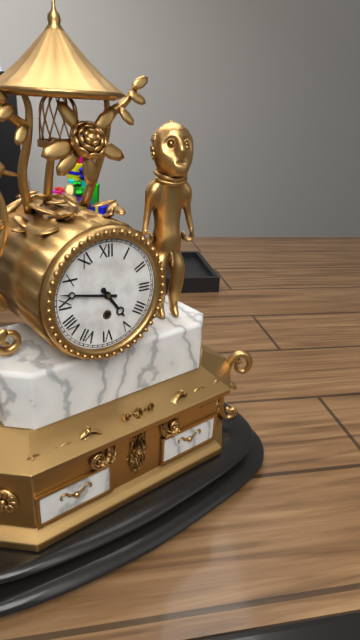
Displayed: 4h47
